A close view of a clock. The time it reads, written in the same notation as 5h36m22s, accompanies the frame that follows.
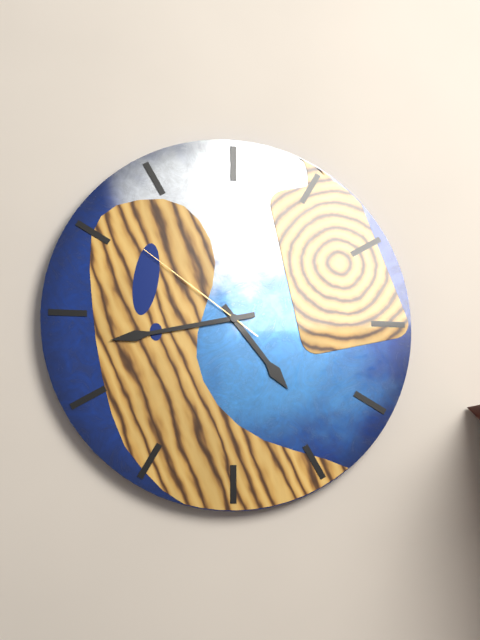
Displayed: 4h43m51s
